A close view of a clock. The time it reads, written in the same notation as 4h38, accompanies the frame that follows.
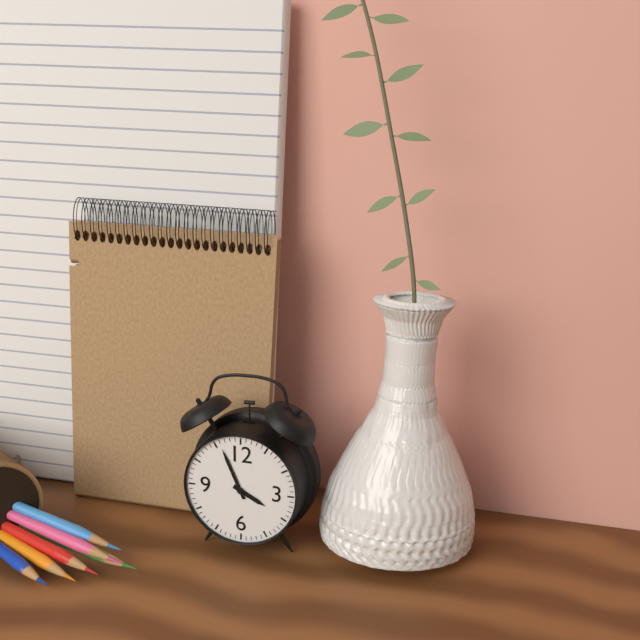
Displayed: 3h56
